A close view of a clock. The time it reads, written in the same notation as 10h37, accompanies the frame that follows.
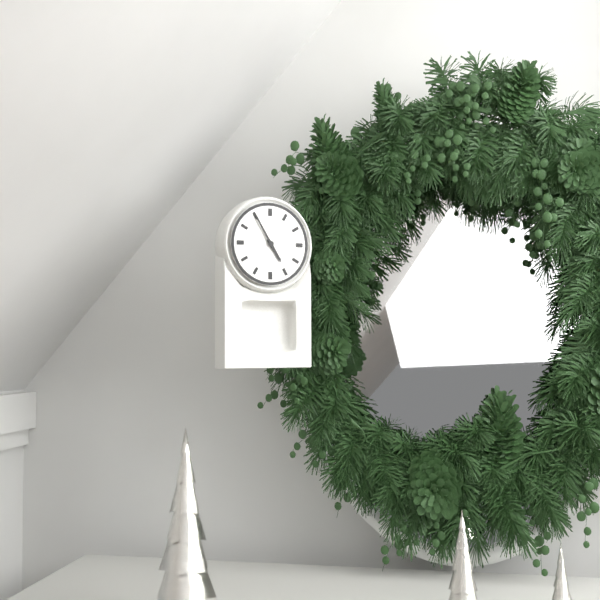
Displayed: 4h55
